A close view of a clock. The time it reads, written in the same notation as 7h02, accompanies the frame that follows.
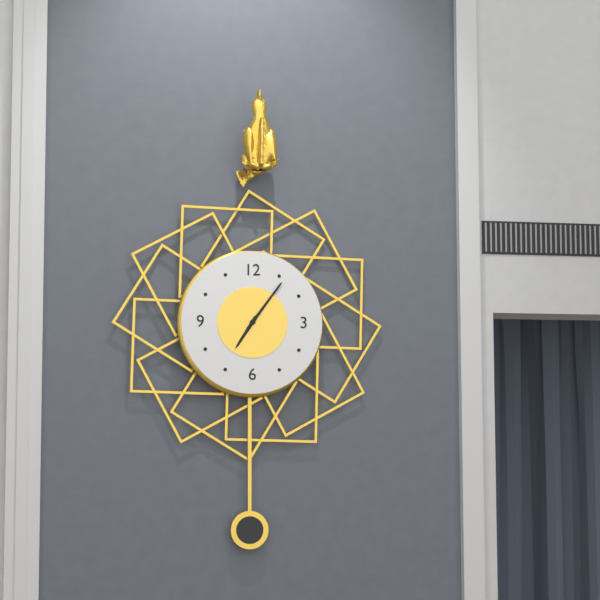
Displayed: 7h06
